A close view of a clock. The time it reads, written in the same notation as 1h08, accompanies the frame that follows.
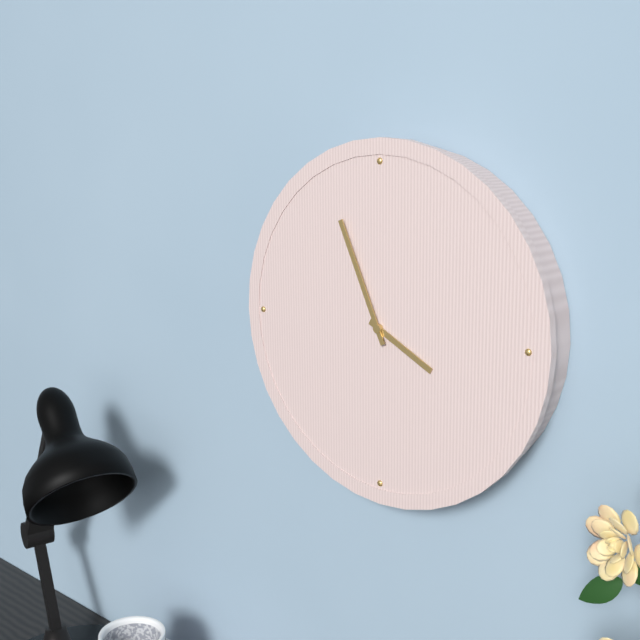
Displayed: 3h56
